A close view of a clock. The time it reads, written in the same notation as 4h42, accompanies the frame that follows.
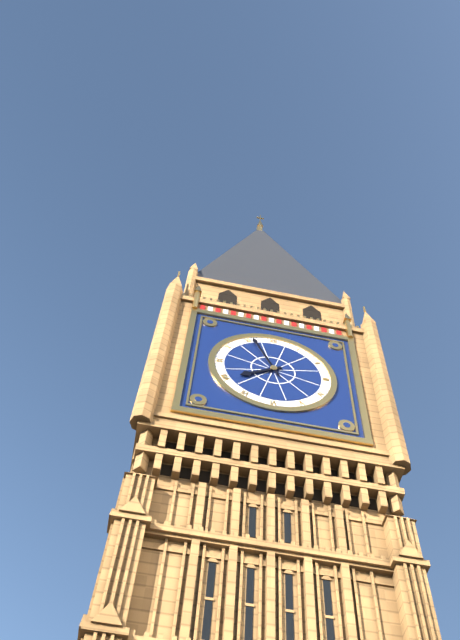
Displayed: 7h56
